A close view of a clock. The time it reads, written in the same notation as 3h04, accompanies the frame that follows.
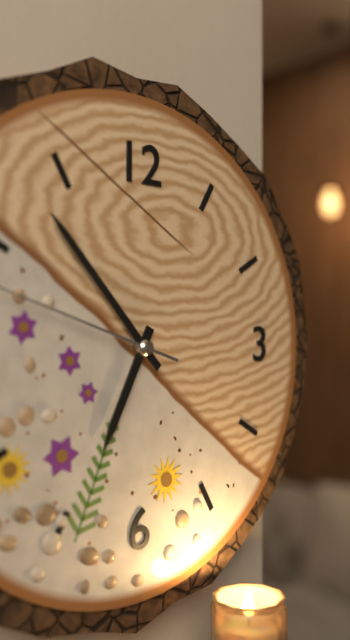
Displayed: 6h53
